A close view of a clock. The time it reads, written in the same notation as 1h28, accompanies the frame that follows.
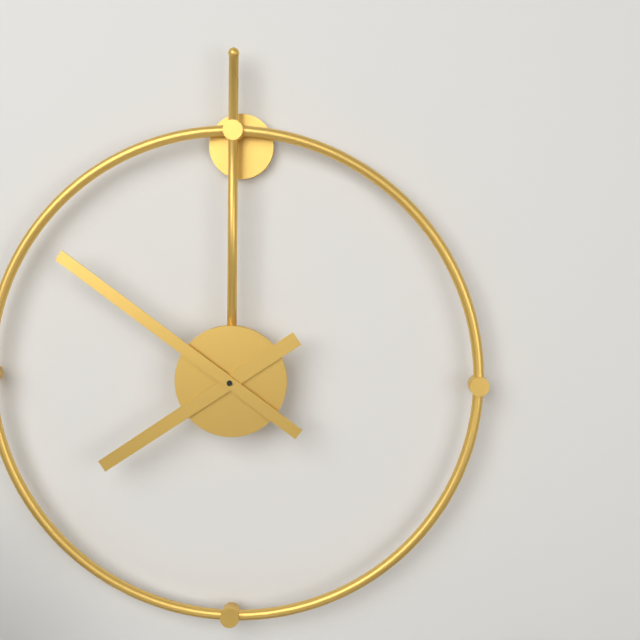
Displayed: 7h51
